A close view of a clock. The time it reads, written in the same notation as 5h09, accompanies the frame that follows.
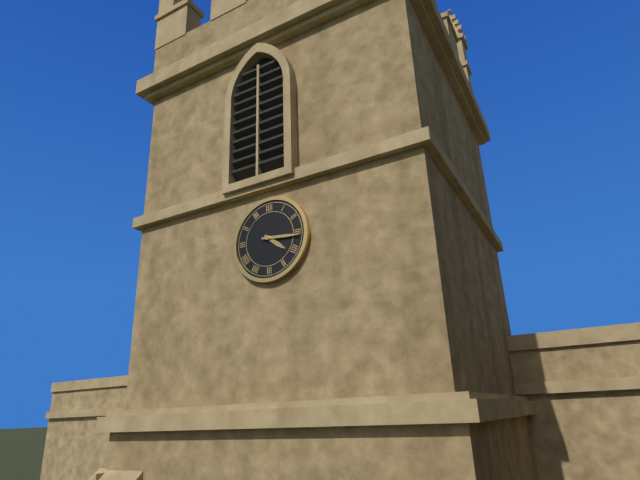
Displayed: 4h16
